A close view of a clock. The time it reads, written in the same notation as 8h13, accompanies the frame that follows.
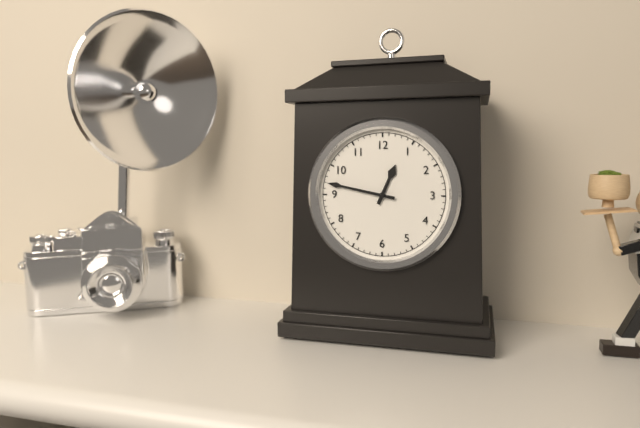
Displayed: 12h47
